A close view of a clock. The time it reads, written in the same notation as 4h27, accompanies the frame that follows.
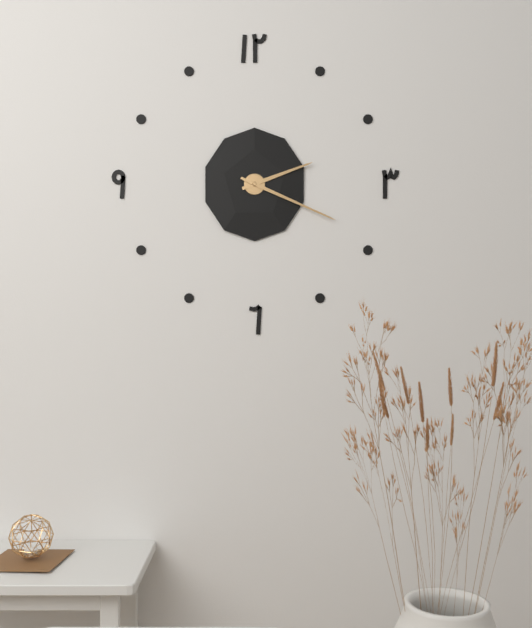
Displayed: 2h19
